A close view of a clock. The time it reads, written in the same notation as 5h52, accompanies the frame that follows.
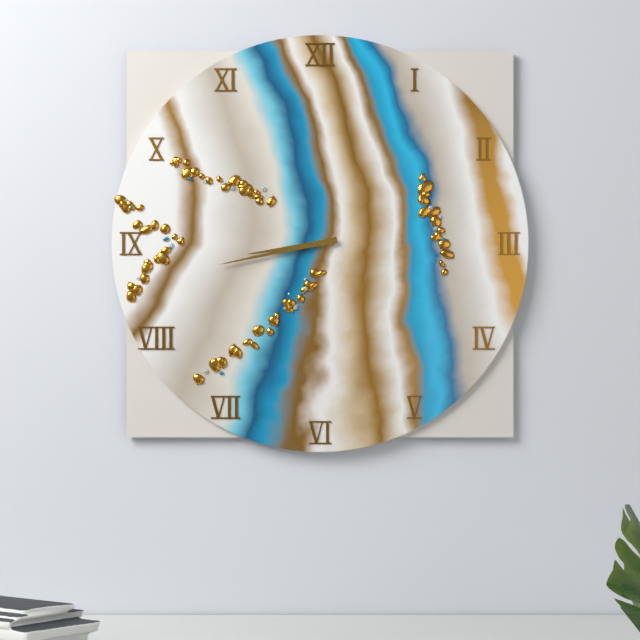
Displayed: 8h43
